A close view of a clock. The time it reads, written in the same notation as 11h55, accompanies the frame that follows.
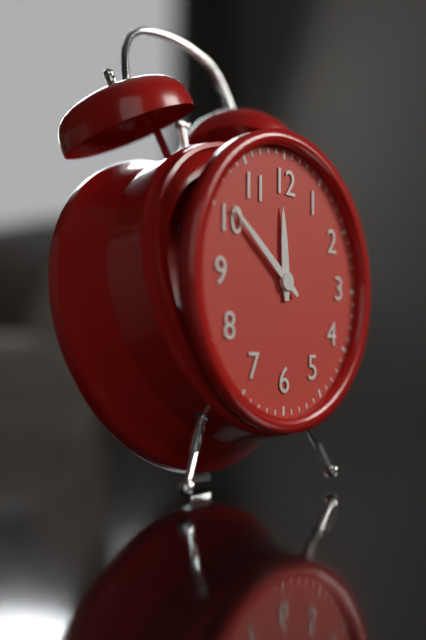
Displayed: 11h51
